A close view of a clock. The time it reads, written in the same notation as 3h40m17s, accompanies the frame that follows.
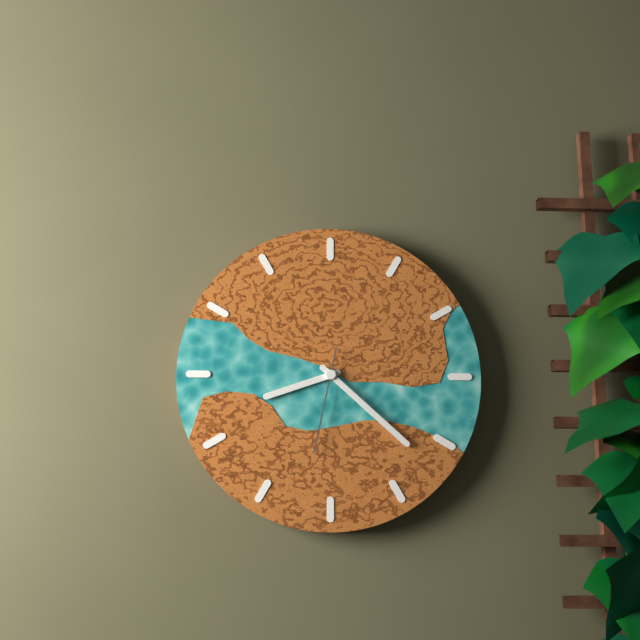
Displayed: 8h22m32s
